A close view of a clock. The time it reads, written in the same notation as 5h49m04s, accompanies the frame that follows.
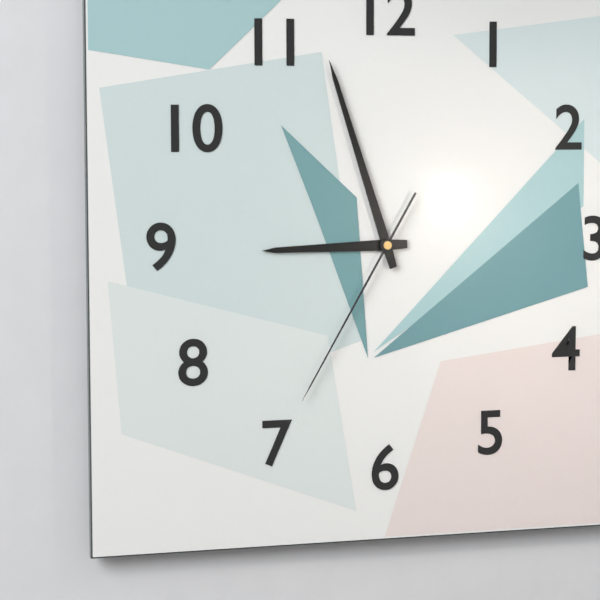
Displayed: 8h57m35s
